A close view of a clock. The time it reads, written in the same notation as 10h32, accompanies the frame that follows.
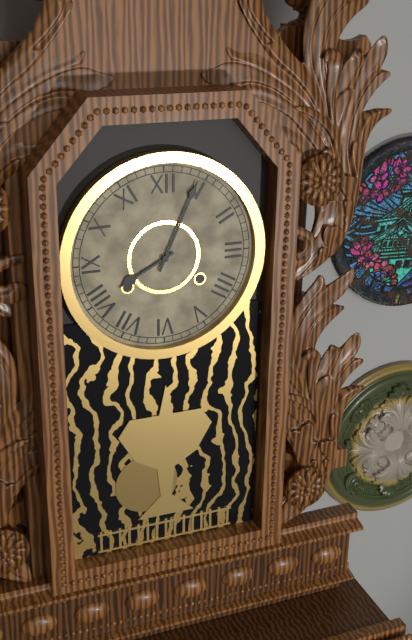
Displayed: 8h04
